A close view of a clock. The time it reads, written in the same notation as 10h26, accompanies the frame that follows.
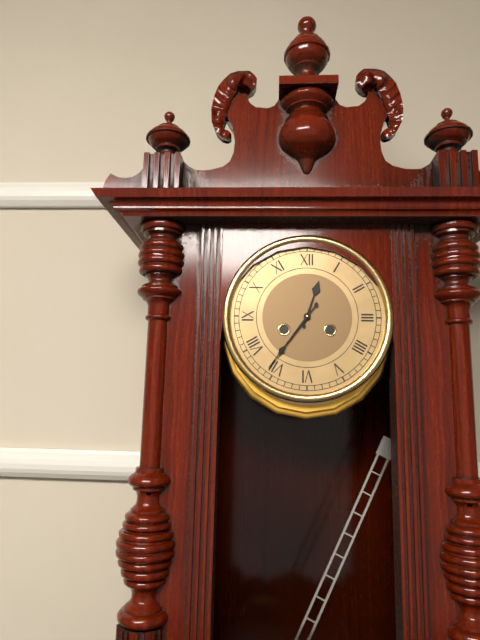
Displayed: 12h36
